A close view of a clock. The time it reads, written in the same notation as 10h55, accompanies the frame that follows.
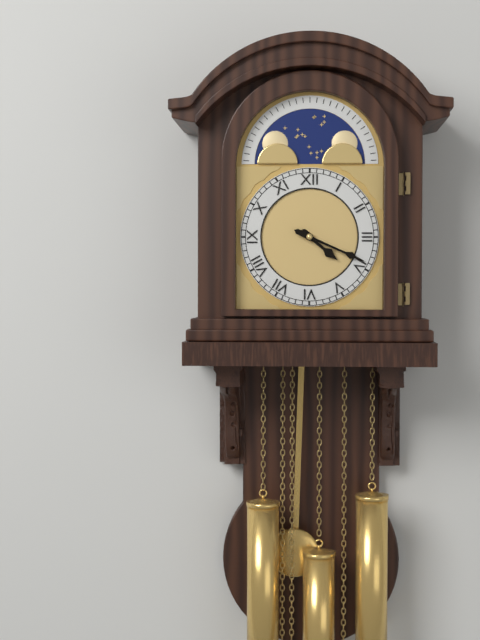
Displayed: 4h19
